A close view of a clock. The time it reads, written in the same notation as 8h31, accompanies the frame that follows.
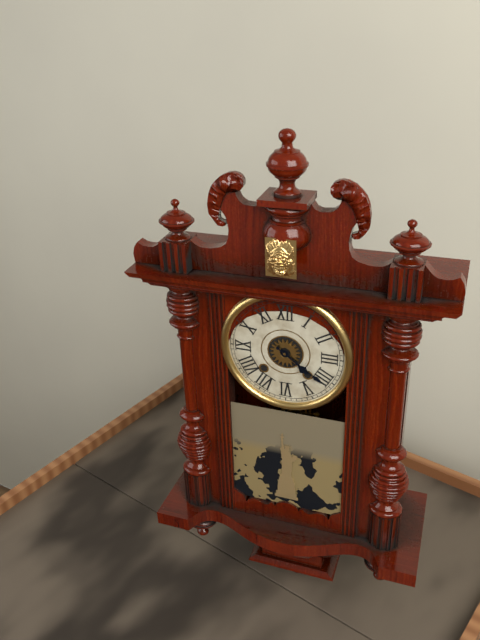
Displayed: 4h21
